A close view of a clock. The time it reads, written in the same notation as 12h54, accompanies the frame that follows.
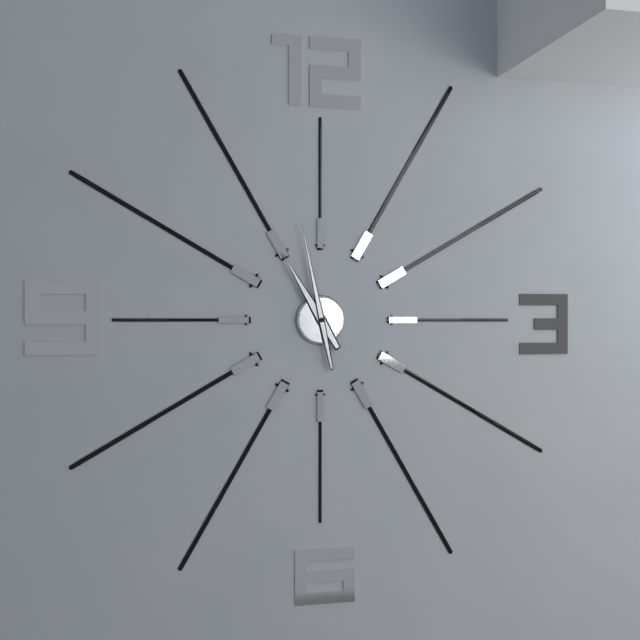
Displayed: 10h58
